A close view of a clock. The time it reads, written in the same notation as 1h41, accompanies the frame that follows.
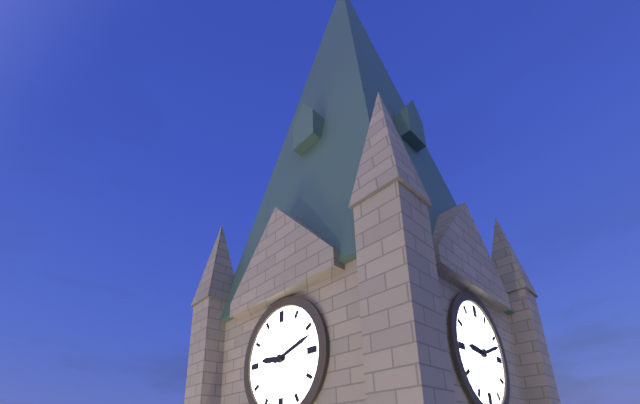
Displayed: 9h12
